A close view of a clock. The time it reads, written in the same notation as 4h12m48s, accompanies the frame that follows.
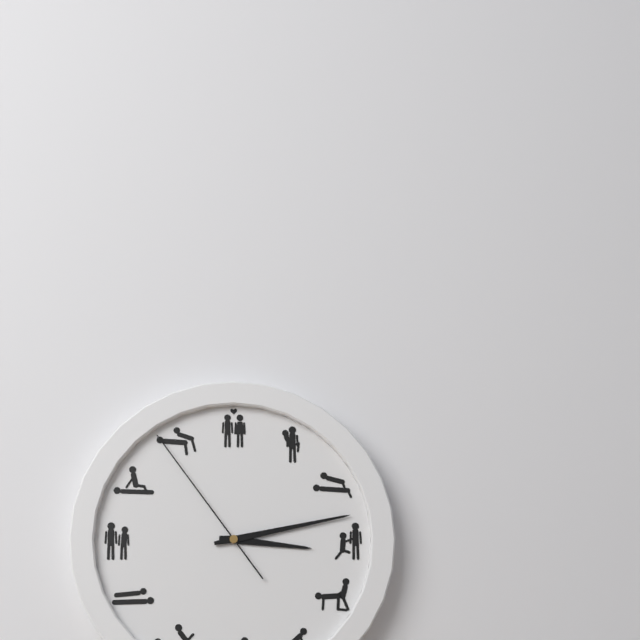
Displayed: 3h13m54s
